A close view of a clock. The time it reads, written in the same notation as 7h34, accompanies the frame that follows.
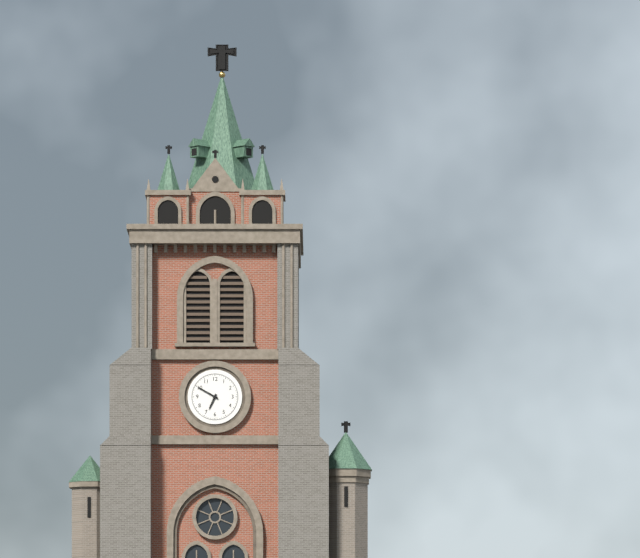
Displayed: 6h50
